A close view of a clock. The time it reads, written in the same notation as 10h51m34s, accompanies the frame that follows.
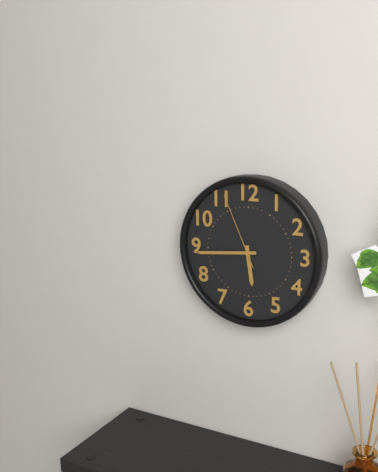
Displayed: 5h44m56s
